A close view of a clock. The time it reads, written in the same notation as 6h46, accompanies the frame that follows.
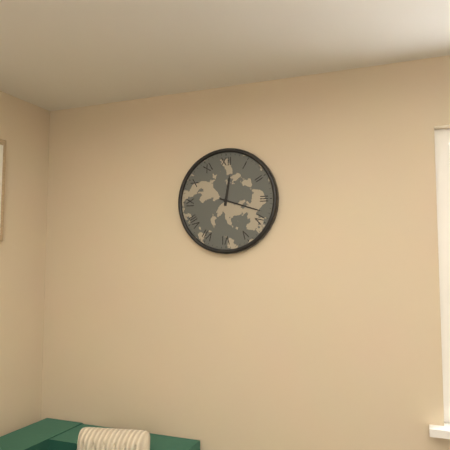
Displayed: 12h18
